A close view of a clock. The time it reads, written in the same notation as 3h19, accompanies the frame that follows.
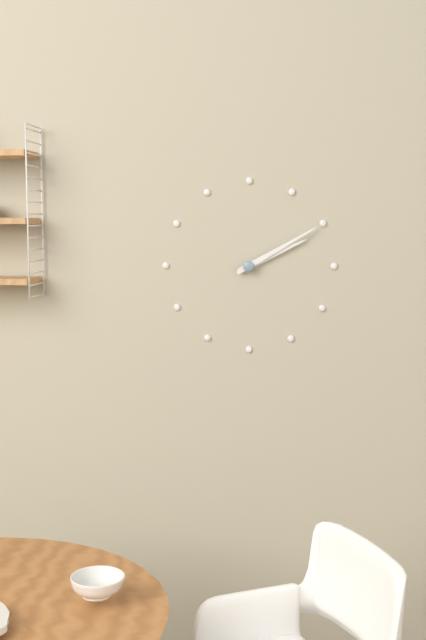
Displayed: 2h10
